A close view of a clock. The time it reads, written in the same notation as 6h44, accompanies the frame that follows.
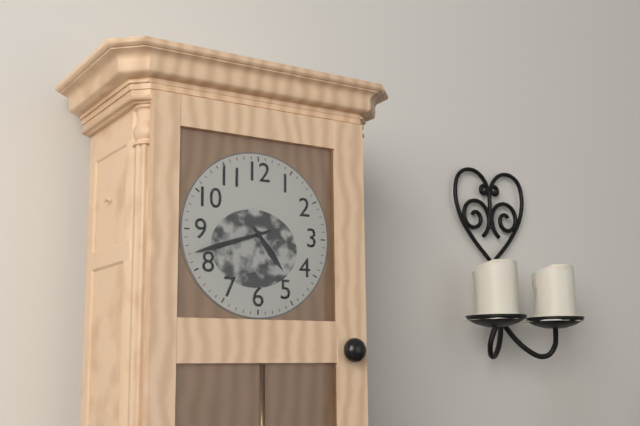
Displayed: 4h42
